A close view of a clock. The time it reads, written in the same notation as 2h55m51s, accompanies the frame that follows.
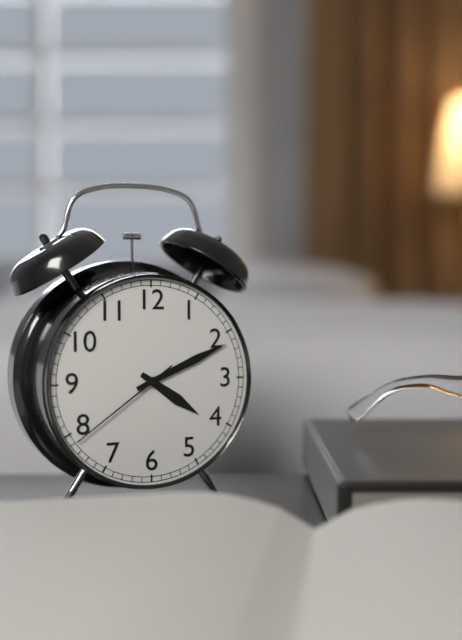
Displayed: 4h11m39s
